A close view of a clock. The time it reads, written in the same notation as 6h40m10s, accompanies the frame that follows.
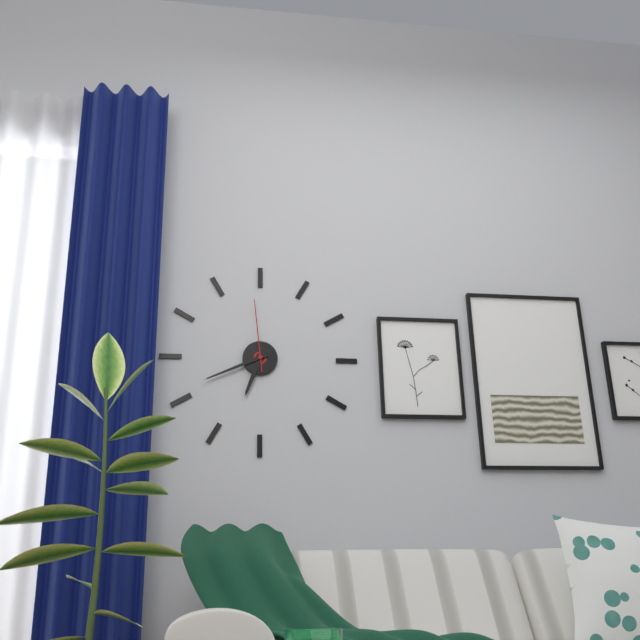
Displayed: 6h41m59s
